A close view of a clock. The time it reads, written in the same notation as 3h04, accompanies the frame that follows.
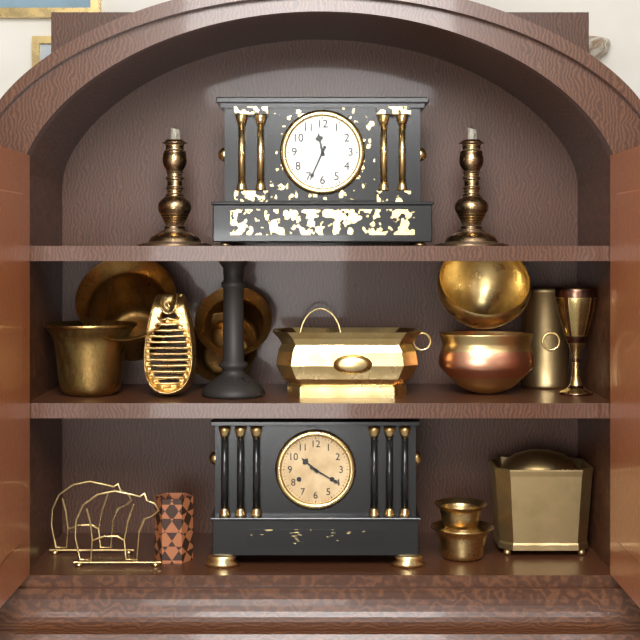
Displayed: 11h34
